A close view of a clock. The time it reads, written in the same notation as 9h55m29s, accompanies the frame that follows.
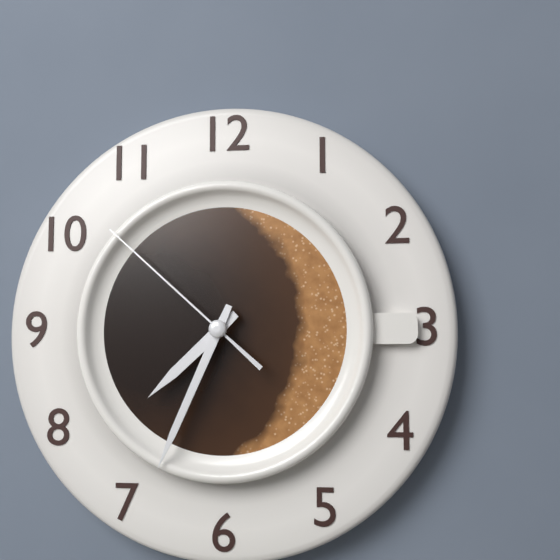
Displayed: 7h34m52s
